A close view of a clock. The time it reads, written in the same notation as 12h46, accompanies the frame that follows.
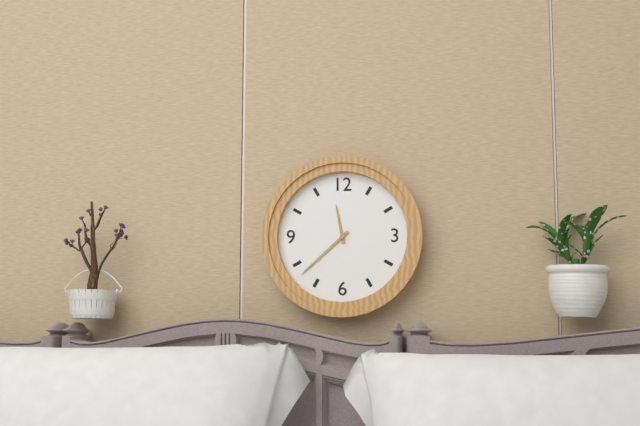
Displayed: 11h38
